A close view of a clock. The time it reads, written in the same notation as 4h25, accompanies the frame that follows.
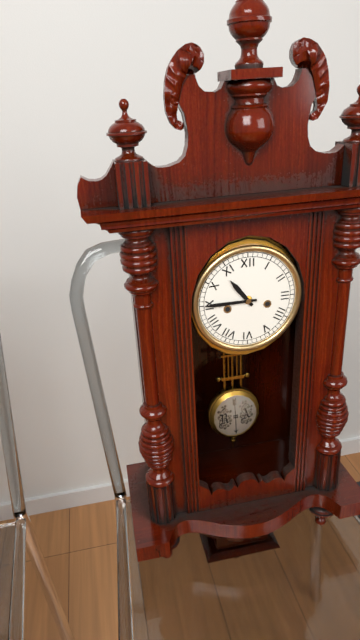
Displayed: 10h45
